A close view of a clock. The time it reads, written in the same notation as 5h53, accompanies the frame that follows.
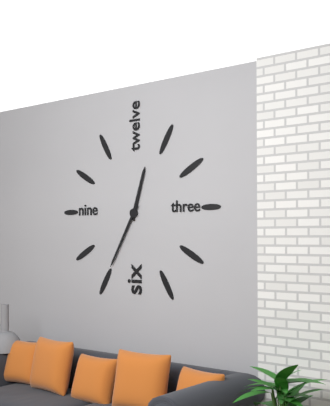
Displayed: 12h35
